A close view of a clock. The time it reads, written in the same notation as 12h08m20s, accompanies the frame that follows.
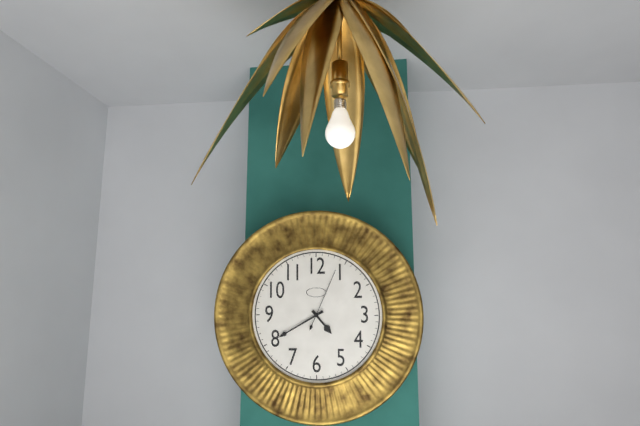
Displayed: 4h40m04s
